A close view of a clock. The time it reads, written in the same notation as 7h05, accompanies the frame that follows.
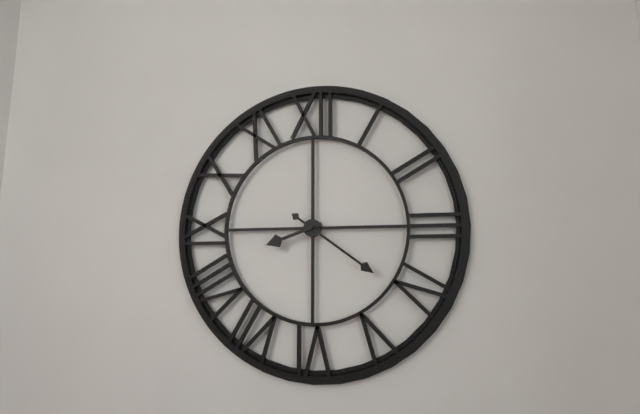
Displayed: 8h21
